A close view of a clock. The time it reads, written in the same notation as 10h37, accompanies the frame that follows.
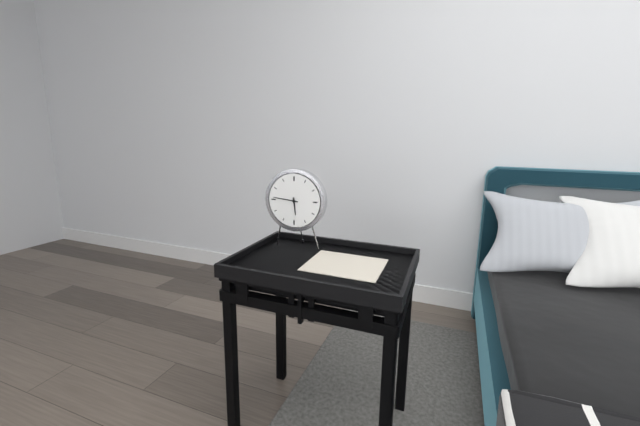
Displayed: 5h46
